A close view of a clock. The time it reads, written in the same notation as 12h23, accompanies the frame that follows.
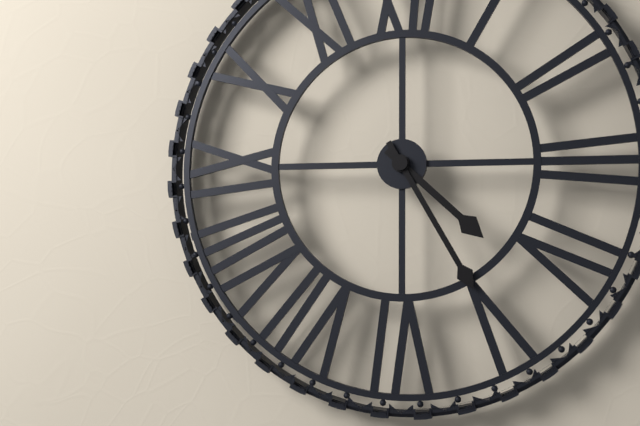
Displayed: 4h25
